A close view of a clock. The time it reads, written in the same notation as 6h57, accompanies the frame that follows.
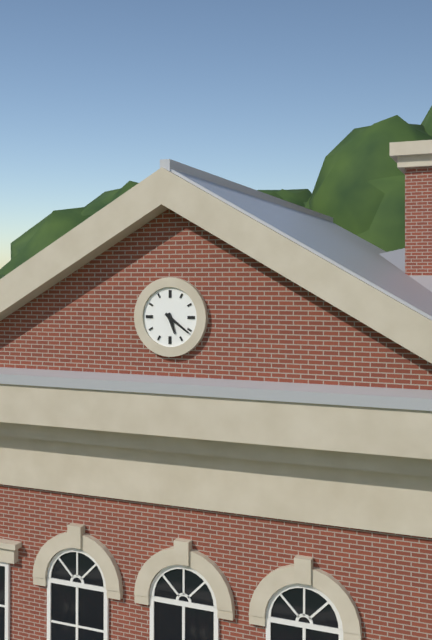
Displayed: 5h21
